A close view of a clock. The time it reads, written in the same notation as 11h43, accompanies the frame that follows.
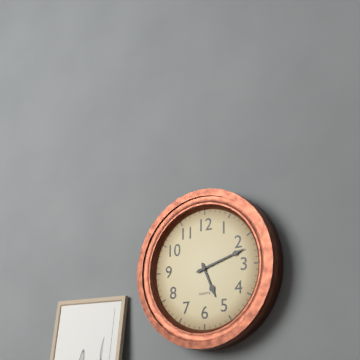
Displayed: 5h12
